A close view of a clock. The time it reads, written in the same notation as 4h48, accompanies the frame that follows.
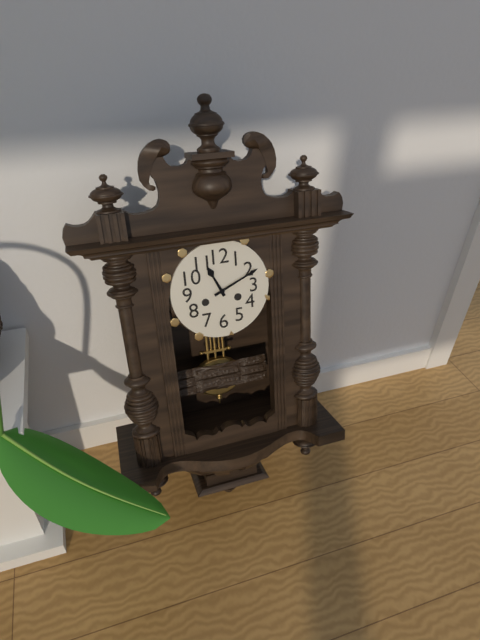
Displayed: 11h11
